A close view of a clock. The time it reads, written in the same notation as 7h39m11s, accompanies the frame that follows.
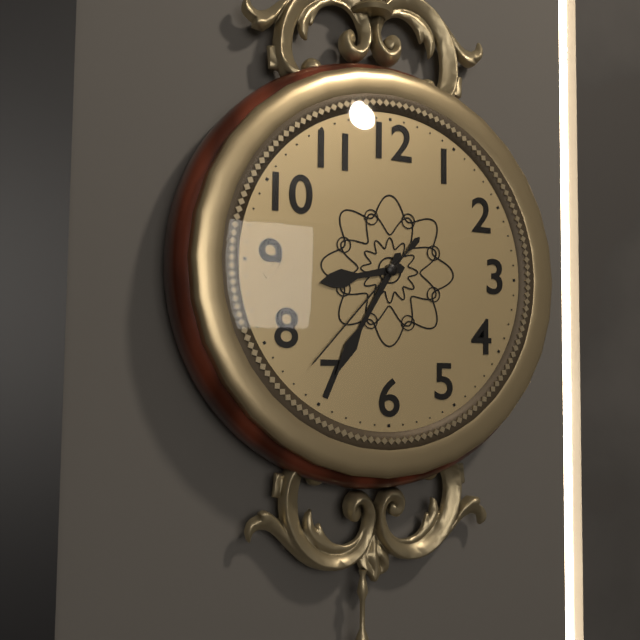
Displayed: 8h35m37s
